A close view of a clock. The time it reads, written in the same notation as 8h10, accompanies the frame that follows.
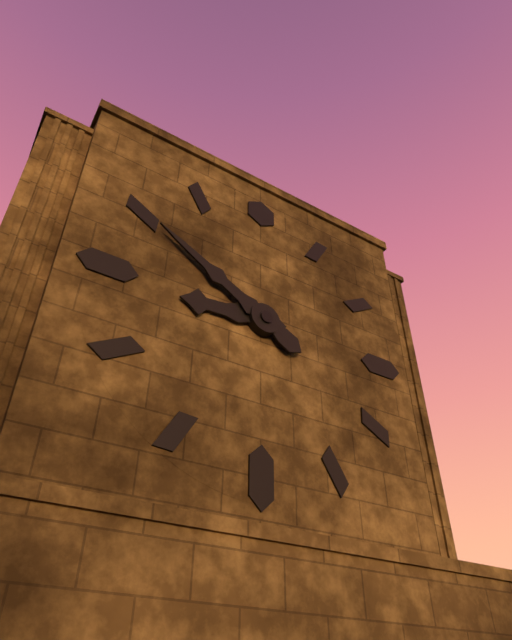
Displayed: 8h50
